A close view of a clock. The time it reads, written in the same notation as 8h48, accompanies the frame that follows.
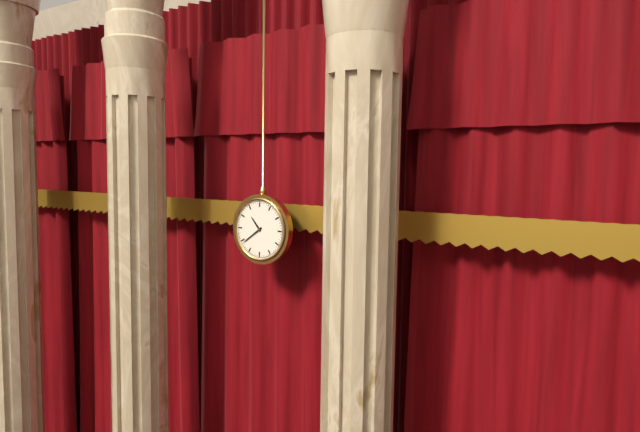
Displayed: 10h39
